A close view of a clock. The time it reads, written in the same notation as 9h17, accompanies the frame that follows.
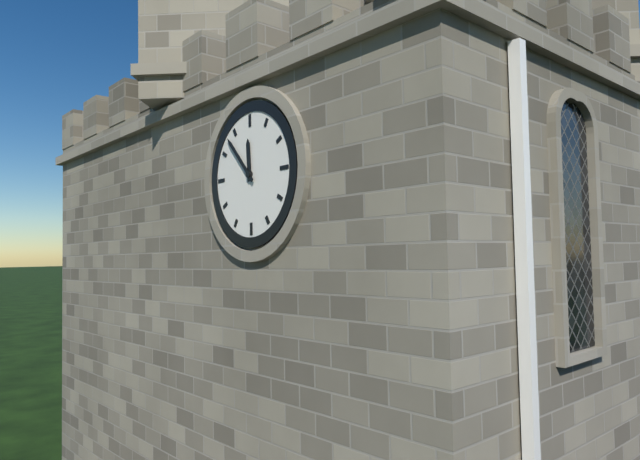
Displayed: 11h53
